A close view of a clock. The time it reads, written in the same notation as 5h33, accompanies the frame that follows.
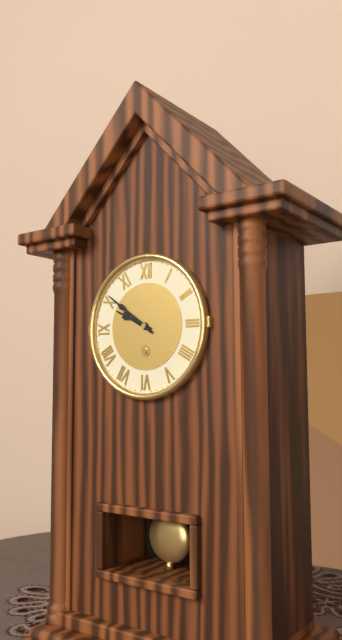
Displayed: 9h51
